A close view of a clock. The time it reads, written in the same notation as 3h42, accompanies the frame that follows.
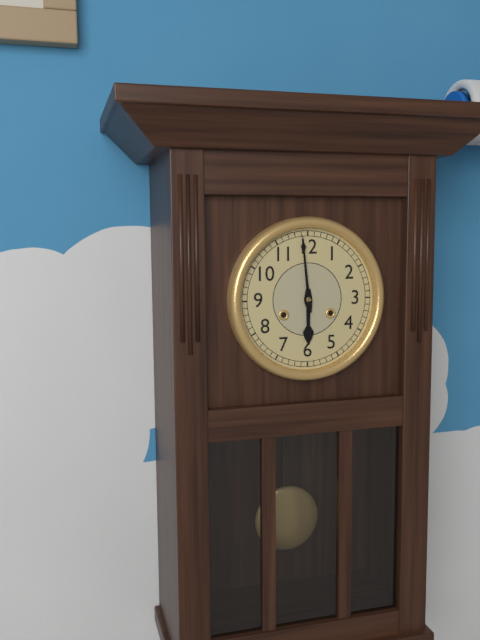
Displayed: 5h59
